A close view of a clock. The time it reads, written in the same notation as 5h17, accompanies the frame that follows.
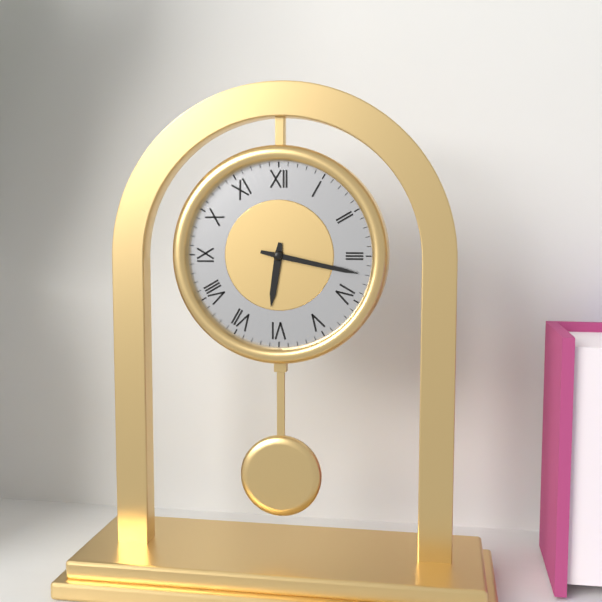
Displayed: 6h17
